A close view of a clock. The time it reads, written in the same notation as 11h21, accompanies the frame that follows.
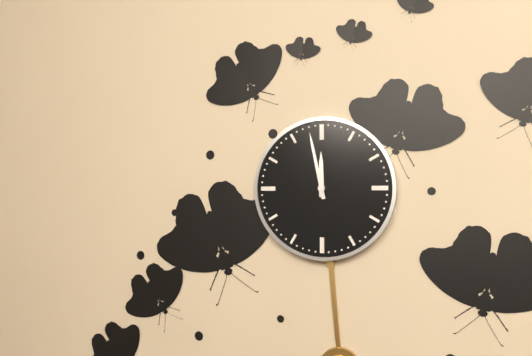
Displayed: 11h58
